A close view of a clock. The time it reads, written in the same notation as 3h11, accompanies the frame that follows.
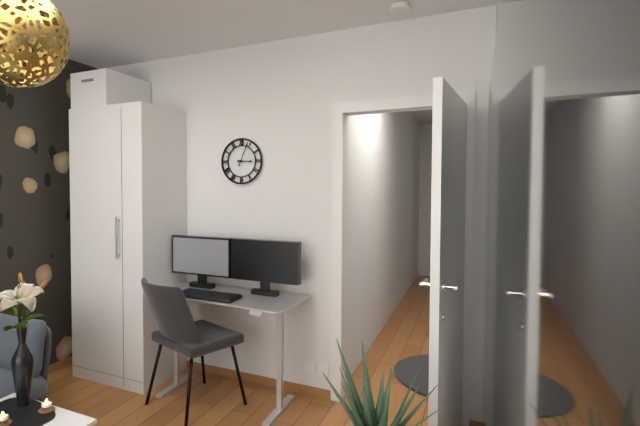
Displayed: 3h04
